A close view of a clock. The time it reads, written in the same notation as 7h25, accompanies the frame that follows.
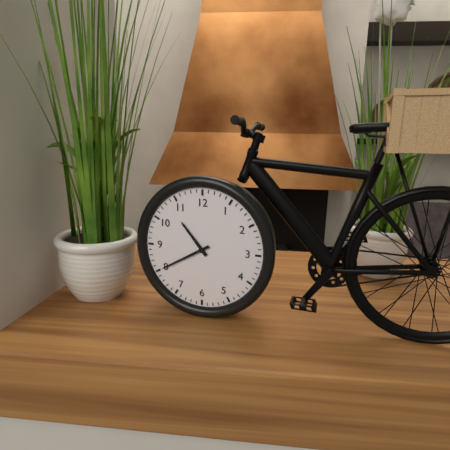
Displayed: 10h40
